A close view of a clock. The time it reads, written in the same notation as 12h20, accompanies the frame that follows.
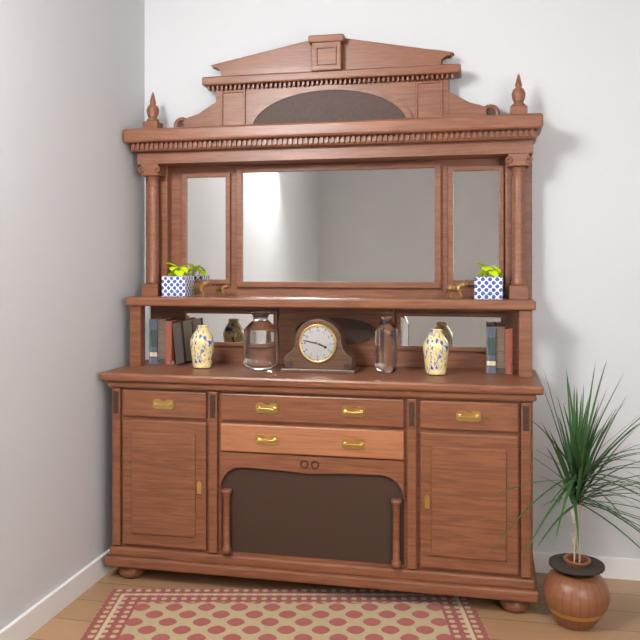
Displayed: 3h47
